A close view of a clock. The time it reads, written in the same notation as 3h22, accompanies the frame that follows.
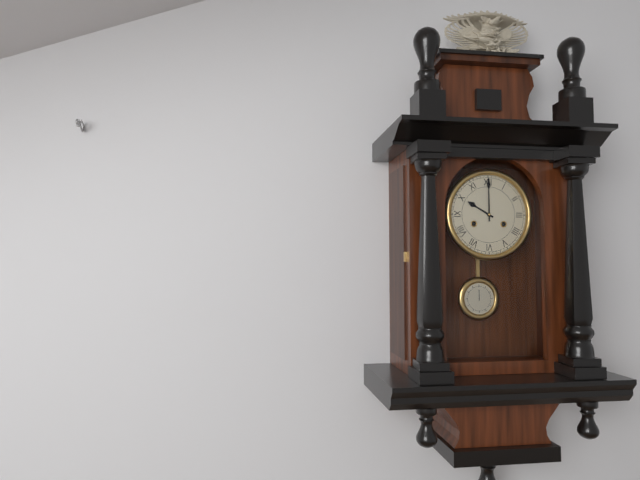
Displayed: 10h00
